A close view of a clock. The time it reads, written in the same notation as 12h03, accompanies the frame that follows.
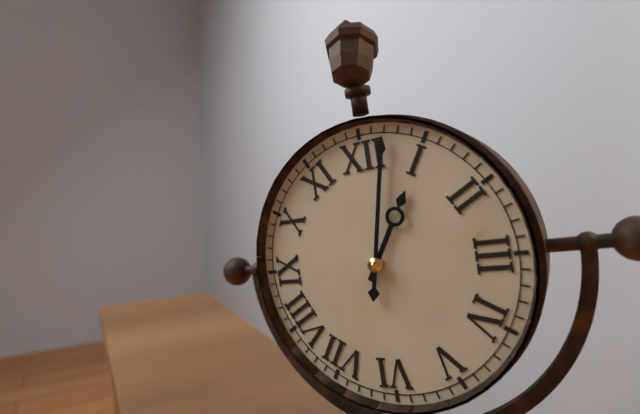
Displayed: 1h02
